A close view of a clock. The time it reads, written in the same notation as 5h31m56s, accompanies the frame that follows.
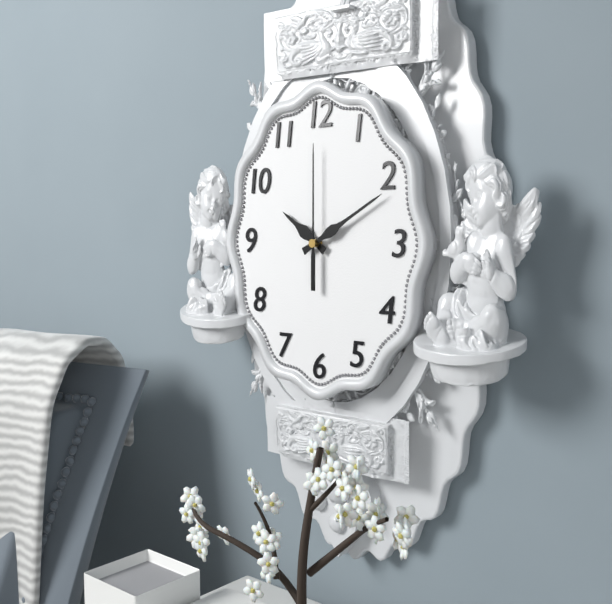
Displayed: 10h10m00s
